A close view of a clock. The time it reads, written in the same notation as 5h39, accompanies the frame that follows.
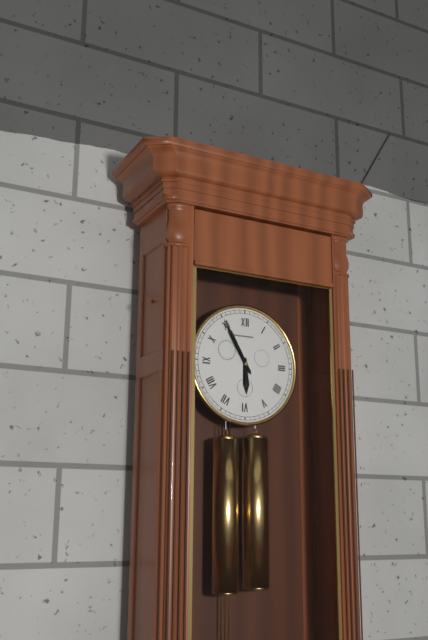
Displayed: 5h55
